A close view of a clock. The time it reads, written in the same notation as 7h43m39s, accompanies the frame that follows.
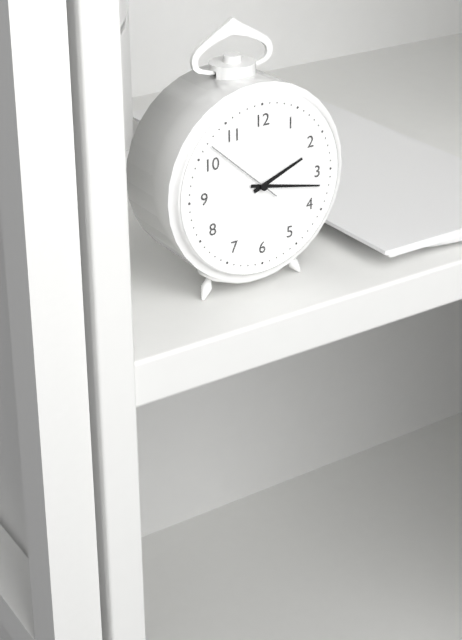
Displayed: 2h17m52s
